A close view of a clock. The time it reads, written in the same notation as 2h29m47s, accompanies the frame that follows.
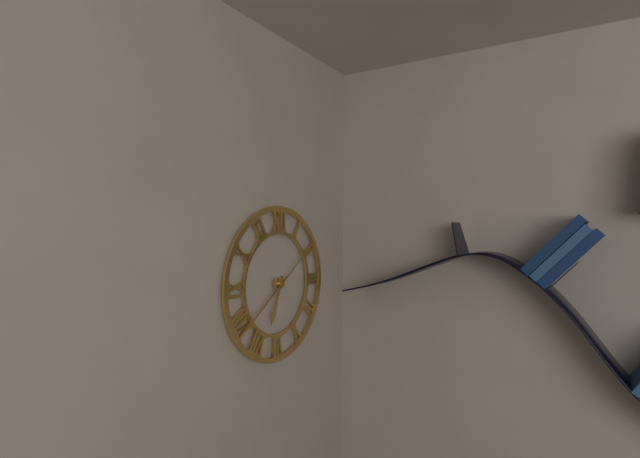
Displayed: 6h39m09s
